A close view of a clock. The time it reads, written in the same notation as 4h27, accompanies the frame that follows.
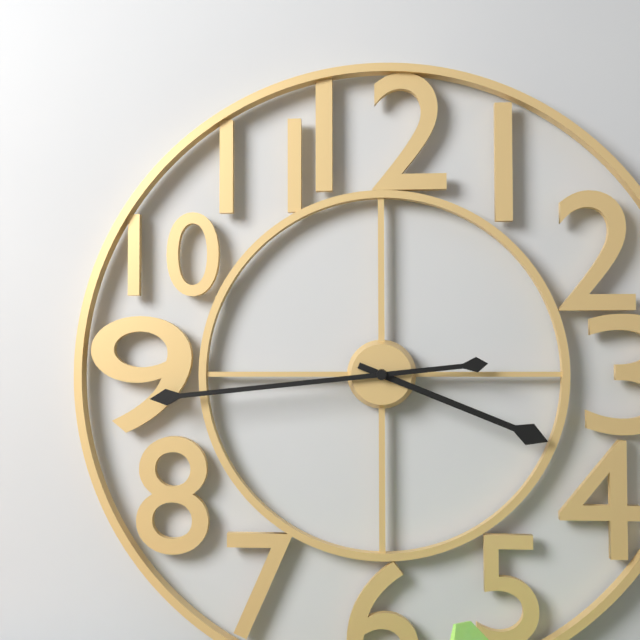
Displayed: 3h44
